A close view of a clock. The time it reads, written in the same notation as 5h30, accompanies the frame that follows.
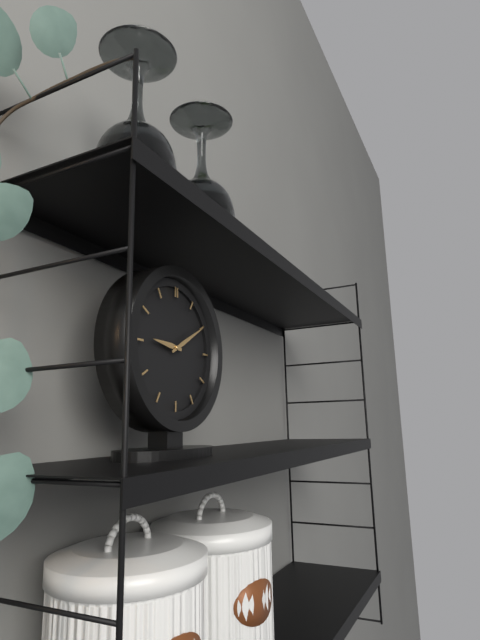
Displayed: 9h10
